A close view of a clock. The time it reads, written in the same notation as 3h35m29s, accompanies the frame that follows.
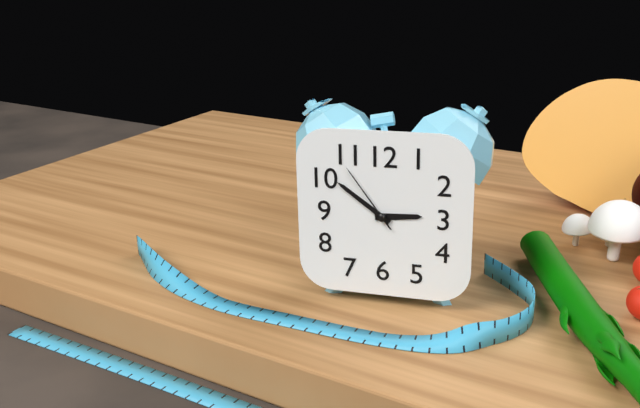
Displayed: 2h51m54s
